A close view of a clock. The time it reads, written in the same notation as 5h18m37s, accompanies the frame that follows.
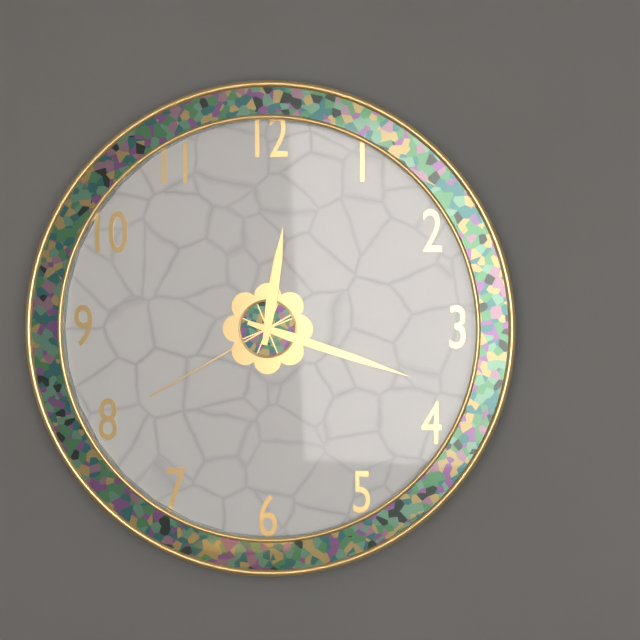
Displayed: 12h18m40s
